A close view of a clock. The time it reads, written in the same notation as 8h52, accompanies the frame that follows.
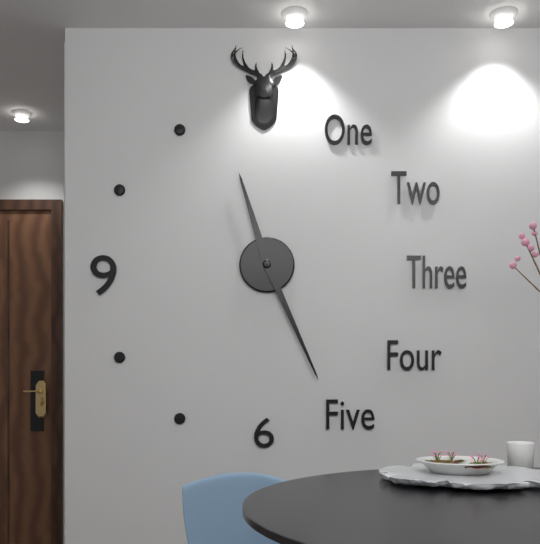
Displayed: 11h26
